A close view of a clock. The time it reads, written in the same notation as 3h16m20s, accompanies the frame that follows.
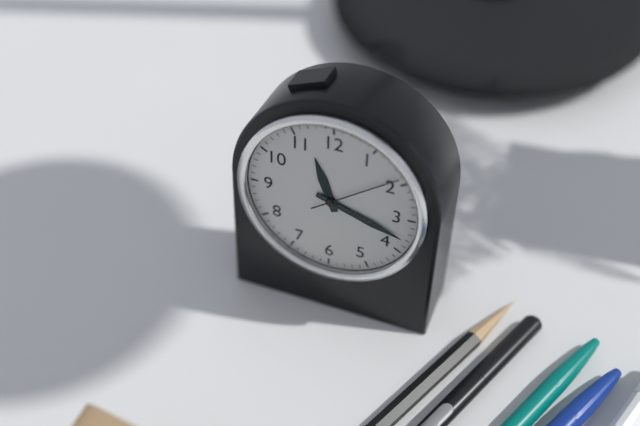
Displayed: 11h18m09s
